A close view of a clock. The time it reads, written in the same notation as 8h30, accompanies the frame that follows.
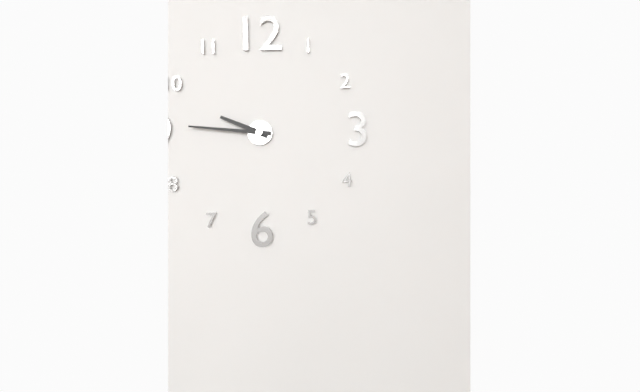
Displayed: 9h46
